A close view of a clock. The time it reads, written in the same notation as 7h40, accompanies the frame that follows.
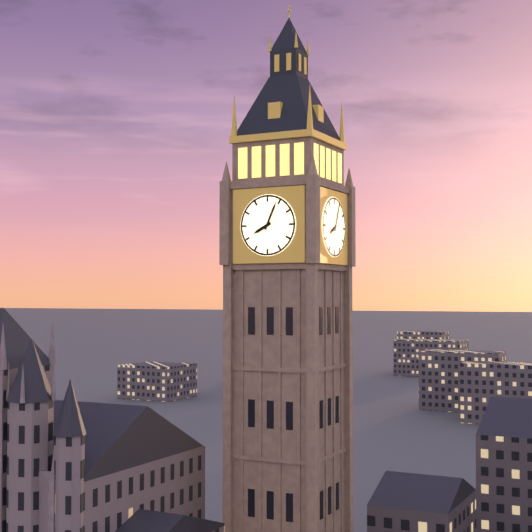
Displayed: 8h04
